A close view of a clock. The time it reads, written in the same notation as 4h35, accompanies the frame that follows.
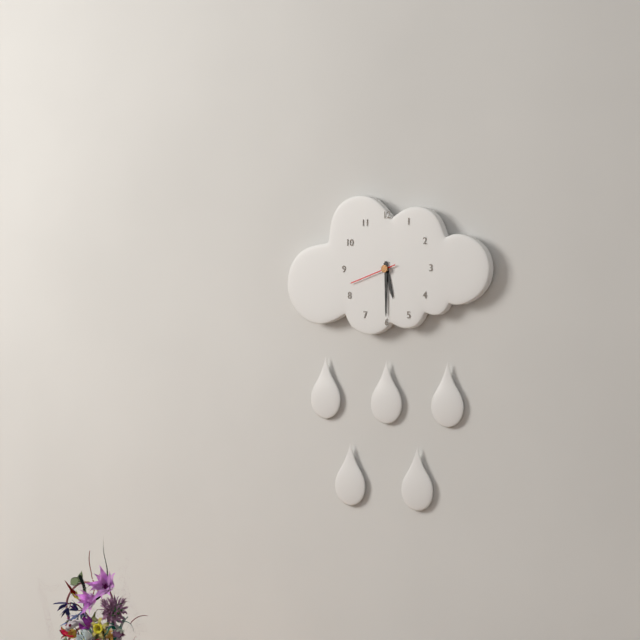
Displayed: 5h30
